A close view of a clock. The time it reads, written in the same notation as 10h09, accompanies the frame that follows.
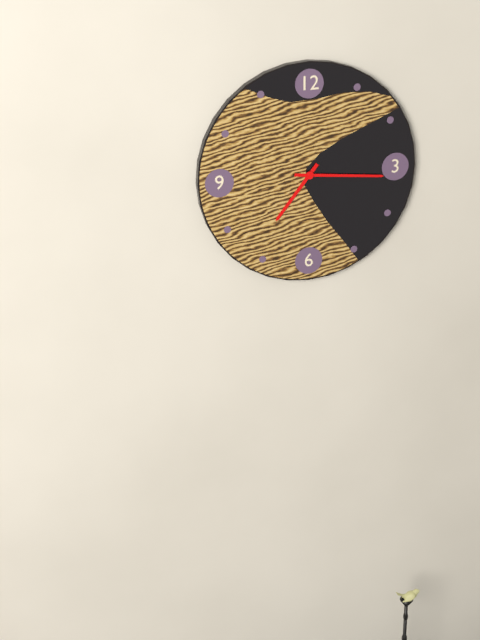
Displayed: 7h16
